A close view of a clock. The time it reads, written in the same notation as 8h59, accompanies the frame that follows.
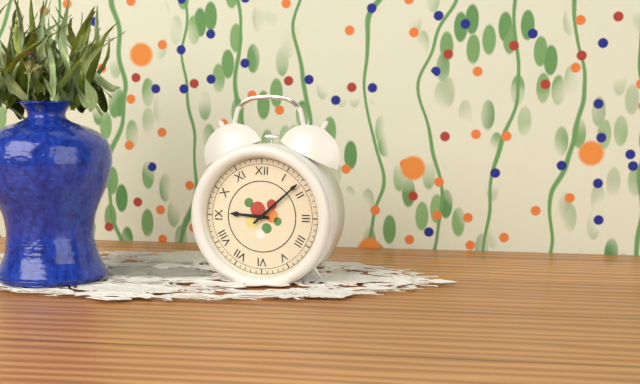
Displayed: 9h08
